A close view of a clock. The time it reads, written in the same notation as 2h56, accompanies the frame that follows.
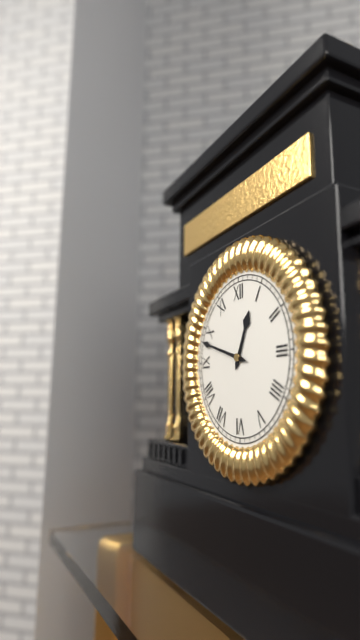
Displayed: 12h48
